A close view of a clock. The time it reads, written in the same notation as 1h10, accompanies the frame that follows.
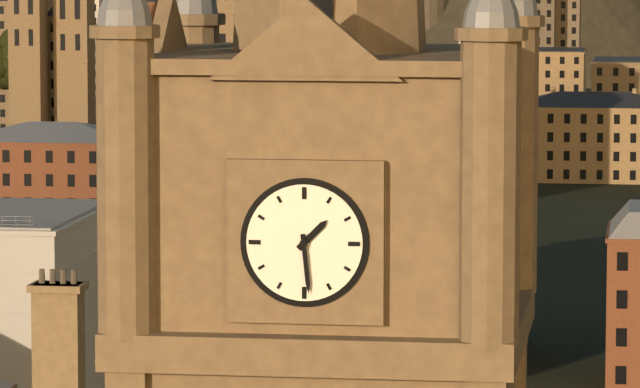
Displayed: 1h29
